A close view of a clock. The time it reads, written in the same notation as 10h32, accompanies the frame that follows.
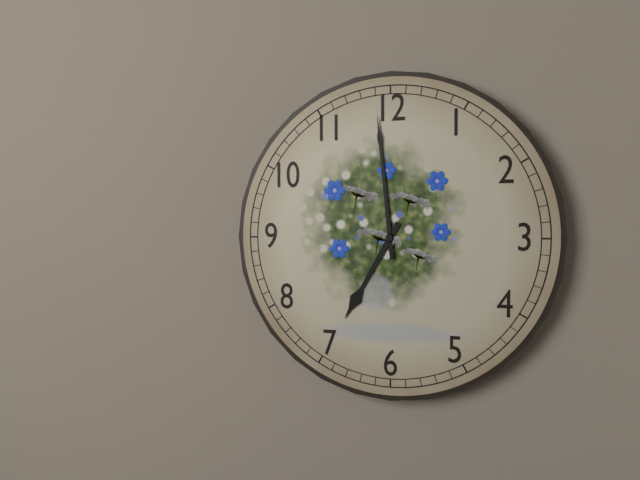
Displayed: 6h59
